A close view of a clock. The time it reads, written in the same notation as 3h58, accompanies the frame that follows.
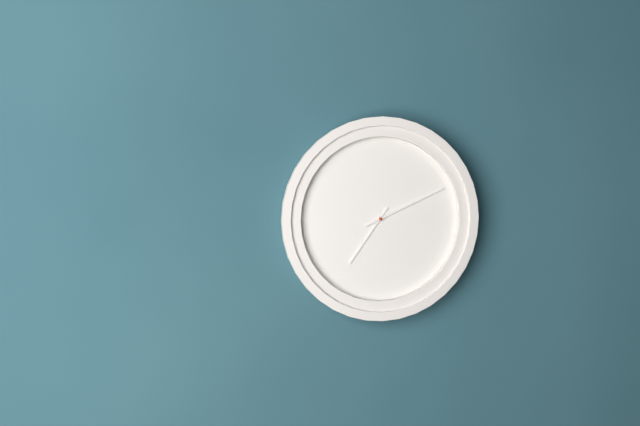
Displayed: 7h11
